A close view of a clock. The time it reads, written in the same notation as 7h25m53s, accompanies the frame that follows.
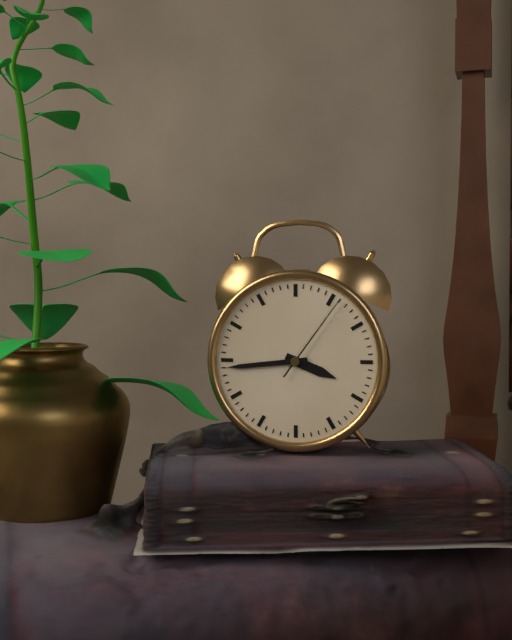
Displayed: 3h44m06s
